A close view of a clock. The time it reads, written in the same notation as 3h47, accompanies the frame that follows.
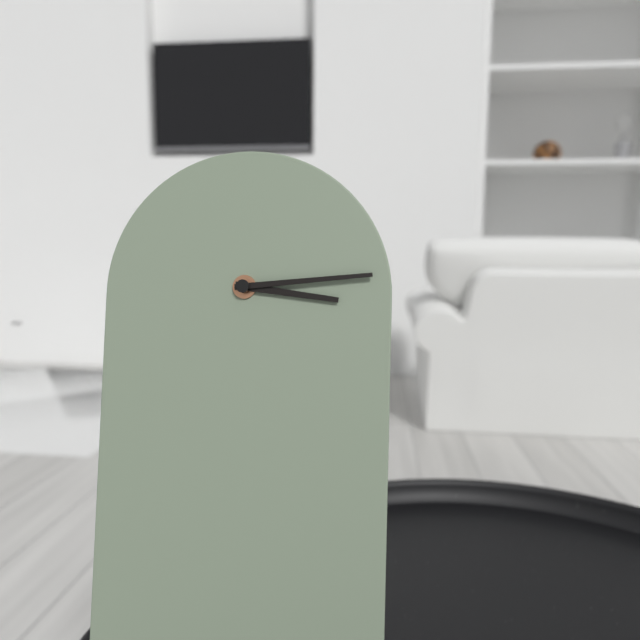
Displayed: 3h14
